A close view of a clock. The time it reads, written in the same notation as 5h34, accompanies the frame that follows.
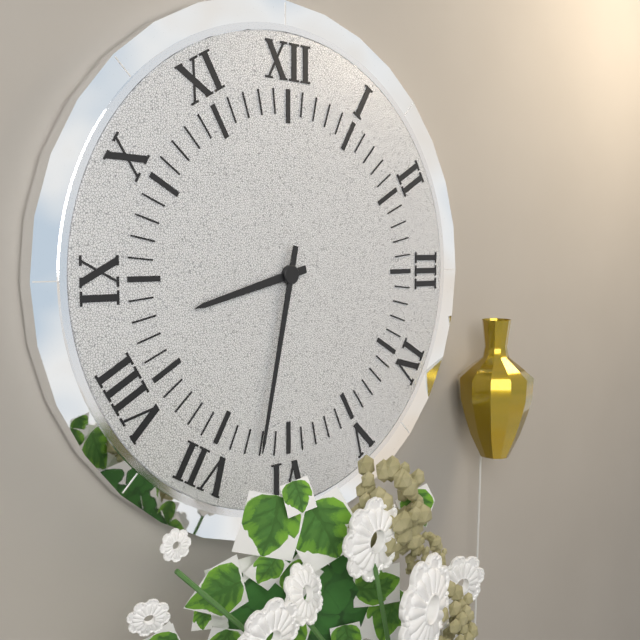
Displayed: 8h32
